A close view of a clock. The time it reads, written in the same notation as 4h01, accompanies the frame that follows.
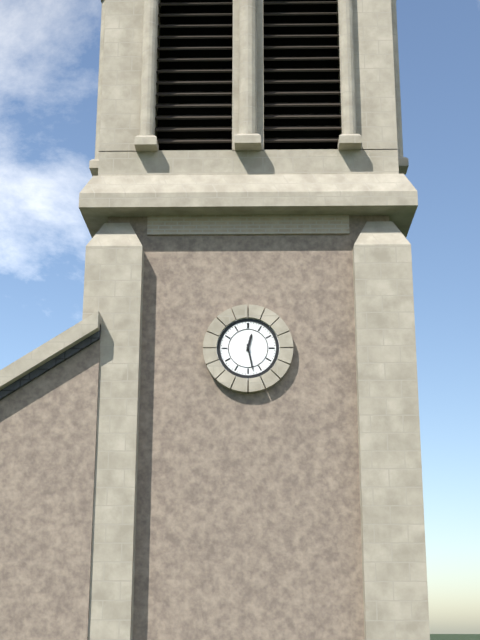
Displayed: 12h28
